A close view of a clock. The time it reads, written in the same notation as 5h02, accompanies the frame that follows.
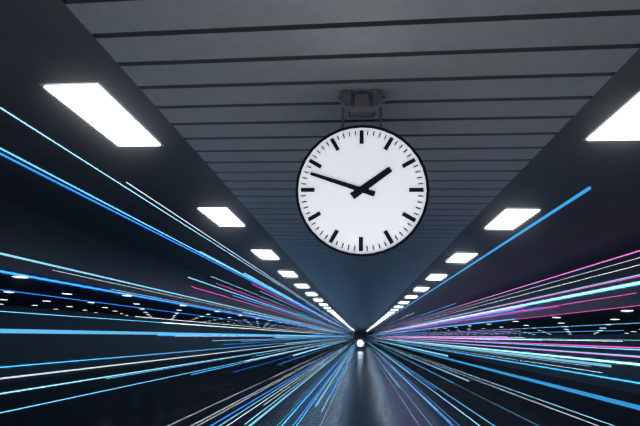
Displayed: 1h48
